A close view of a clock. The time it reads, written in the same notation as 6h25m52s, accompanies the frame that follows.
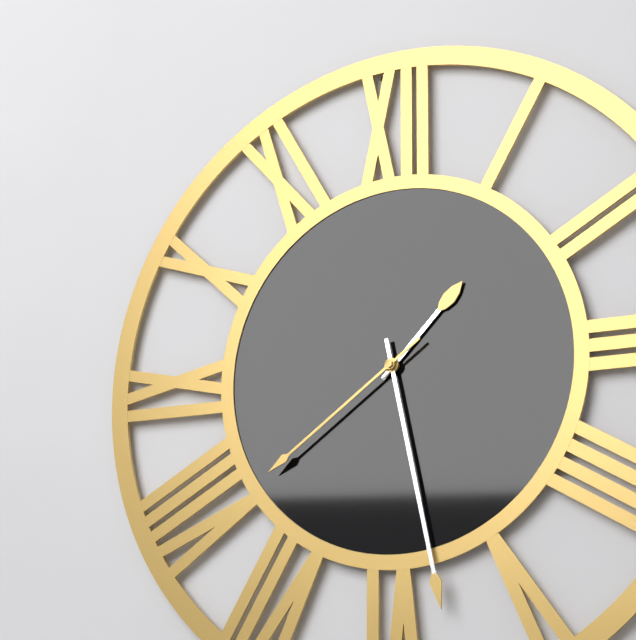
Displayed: 1h28m39s
